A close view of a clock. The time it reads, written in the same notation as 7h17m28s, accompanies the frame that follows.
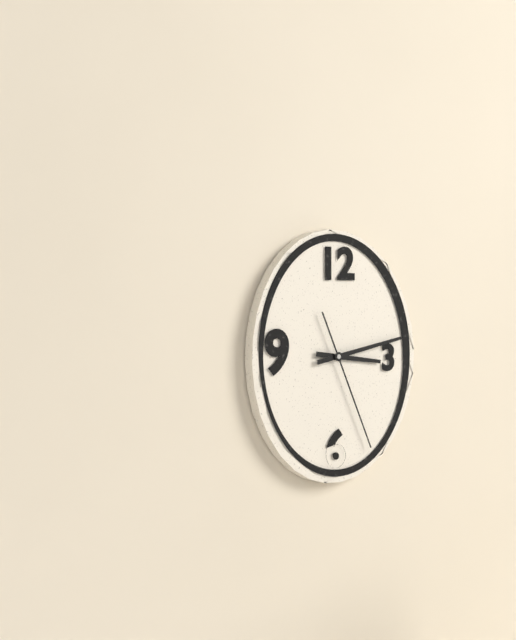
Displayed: 3h13m26s
